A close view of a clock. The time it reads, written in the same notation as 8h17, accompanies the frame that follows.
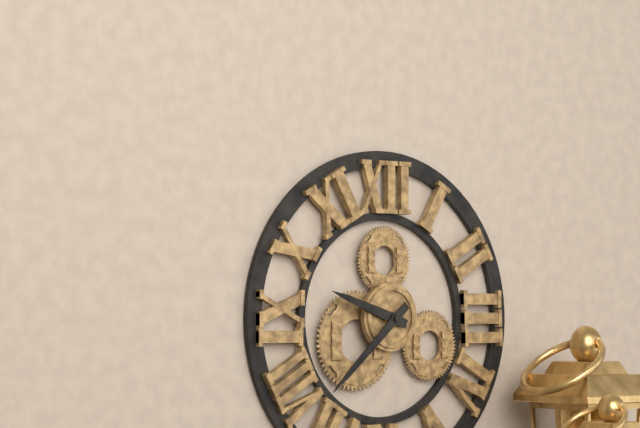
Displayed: 9h38
